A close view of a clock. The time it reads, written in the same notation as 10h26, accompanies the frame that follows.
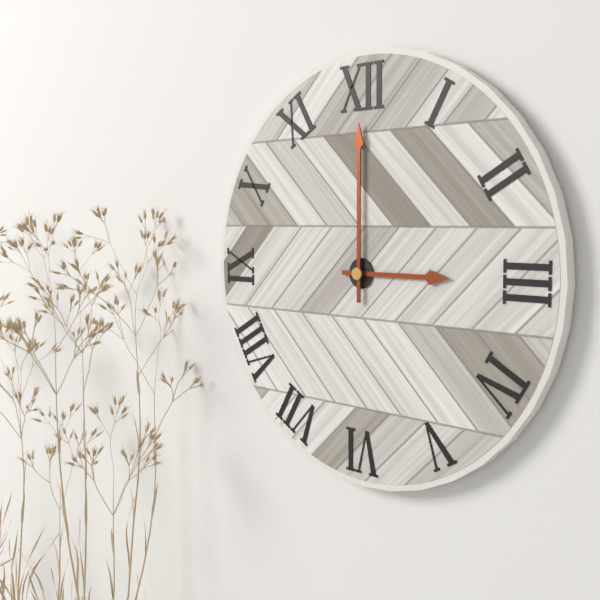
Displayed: 3h00
